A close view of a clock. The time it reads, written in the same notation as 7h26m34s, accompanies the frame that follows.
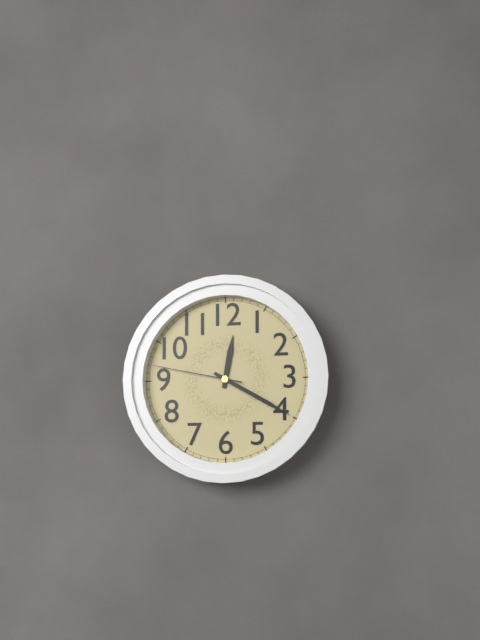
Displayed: 12h20m47s
